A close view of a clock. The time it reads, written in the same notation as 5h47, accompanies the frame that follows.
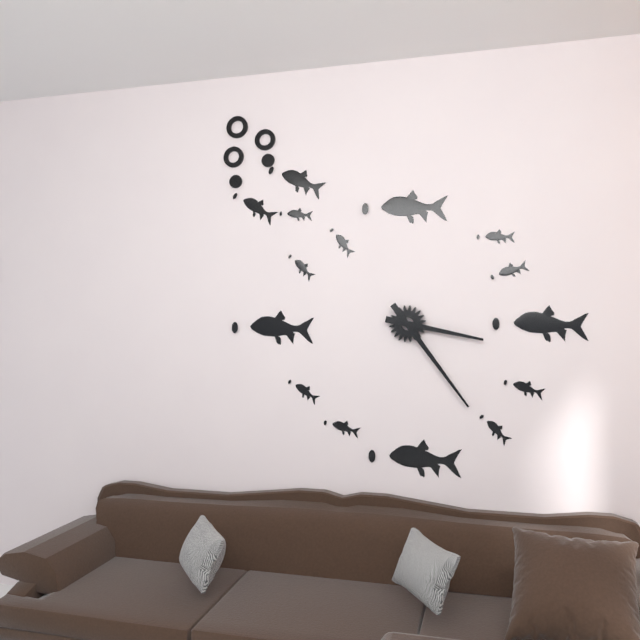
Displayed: 3h24
